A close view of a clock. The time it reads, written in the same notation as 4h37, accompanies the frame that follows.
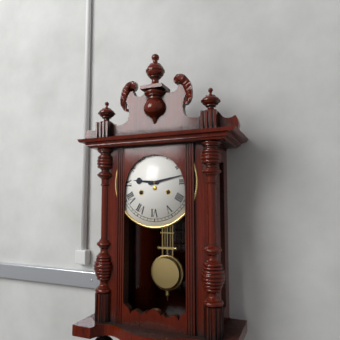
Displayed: 9h13
